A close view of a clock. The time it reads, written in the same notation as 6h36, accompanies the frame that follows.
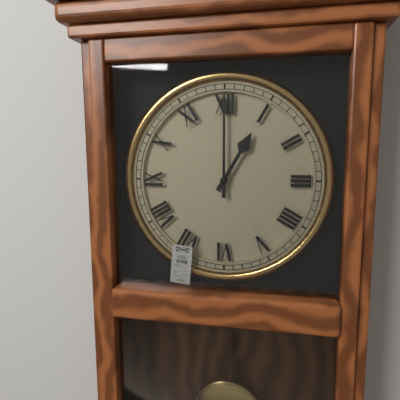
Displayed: 1h00
